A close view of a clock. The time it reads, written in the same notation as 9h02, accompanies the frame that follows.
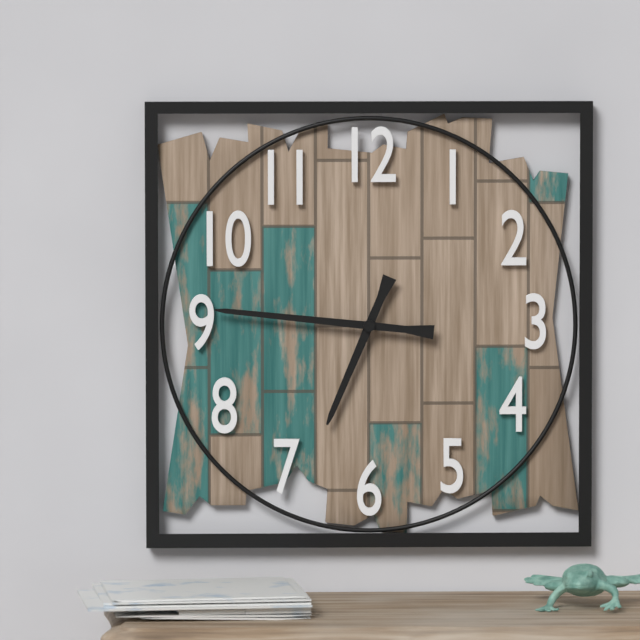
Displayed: 6h46
